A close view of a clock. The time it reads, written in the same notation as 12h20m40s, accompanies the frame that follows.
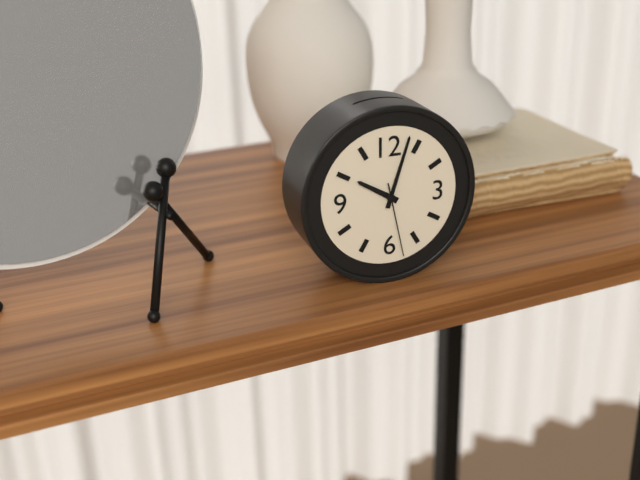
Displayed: 10h03m28s
